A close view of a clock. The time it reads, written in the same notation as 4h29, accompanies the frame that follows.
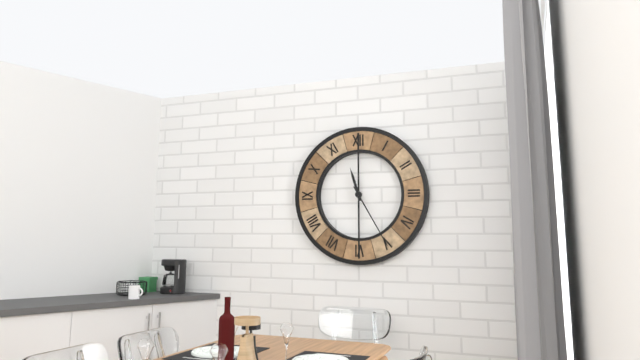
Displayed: 11h25
